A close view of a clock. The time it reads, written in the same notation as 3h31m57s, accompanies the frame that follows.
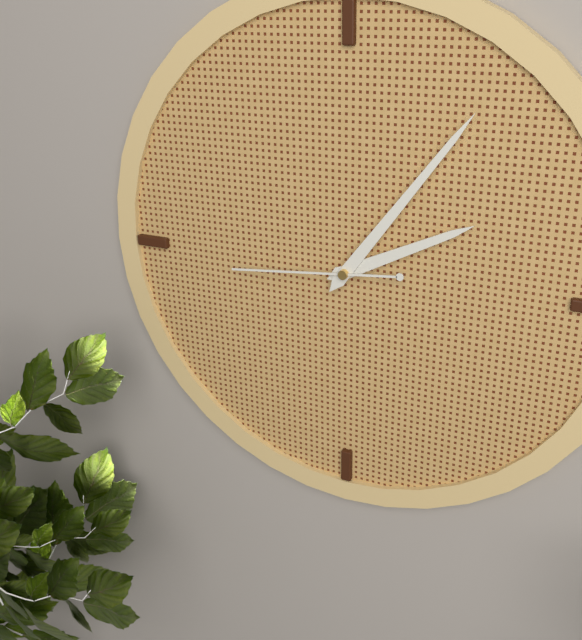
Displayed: 2h06m44s
